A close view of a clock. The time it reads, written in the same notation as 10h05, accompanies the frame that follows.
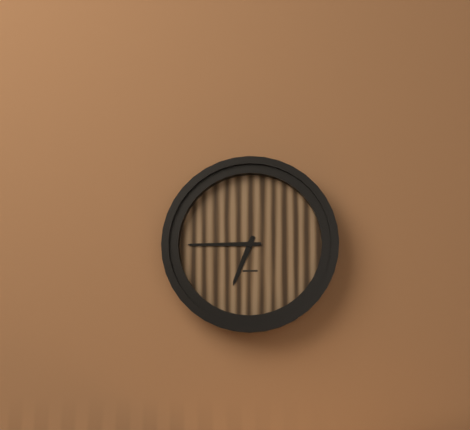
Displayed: 6h45
